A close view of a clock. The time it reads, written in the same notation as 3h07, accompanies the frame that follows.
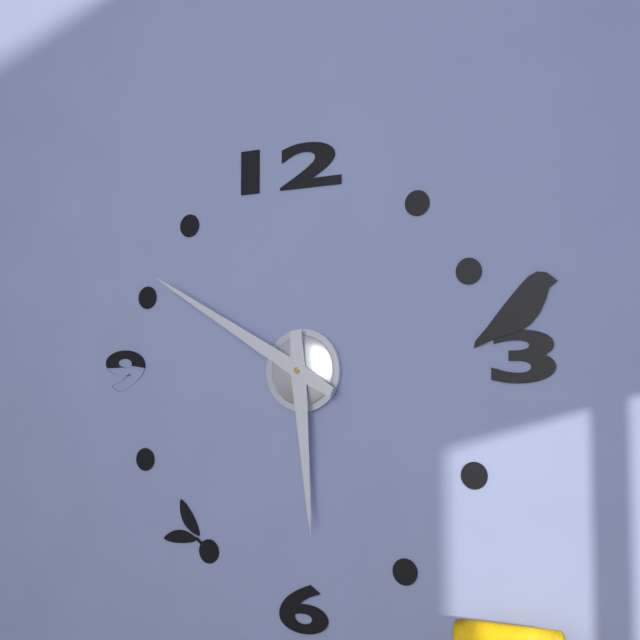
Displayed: 5h50
